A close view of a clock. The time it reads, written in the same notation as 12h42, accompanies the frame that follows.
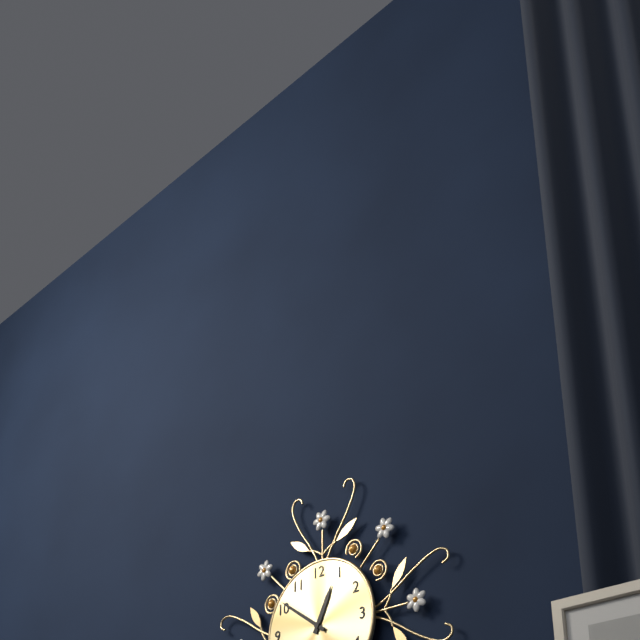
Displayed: 12h51
